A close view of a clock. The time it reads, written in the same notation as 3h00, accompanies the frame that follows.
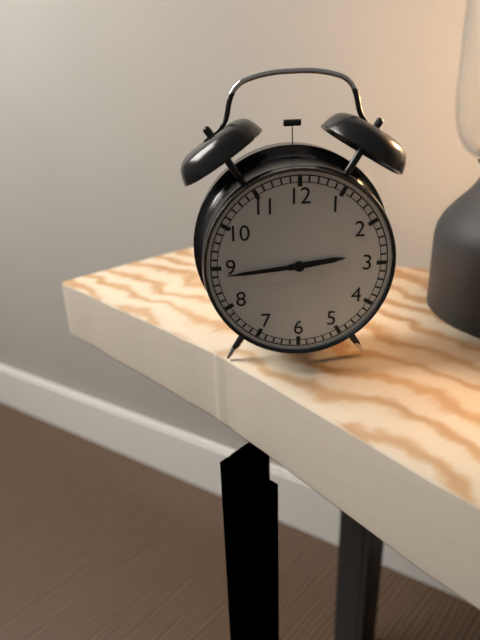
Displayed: 2h44
